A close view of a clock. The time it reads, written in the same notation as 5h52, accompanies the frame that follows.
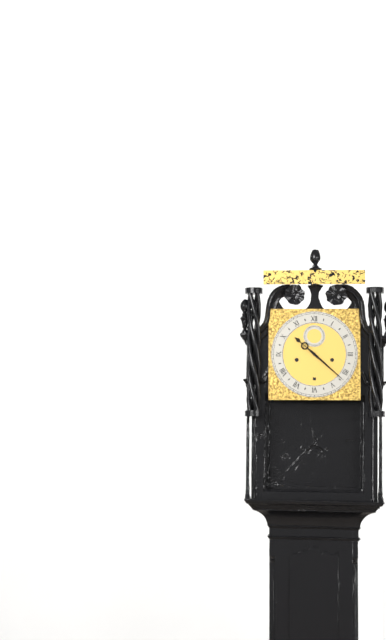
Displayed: 10h22
